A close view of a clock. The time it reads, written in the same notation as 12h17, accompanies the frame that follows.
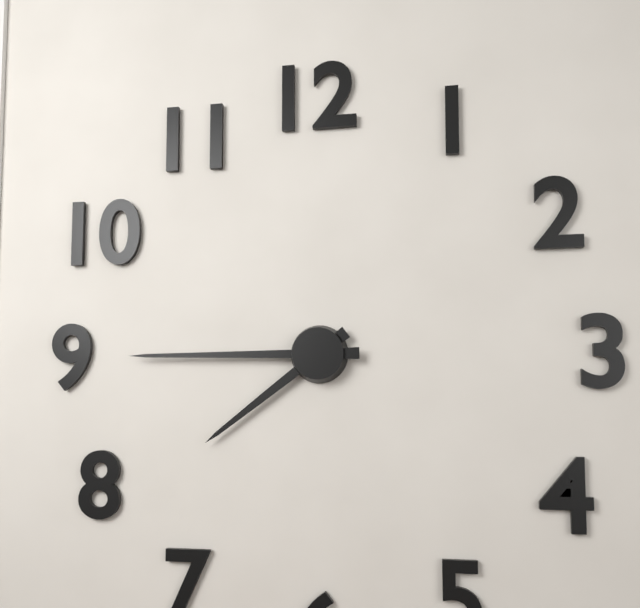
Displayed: 7h45
